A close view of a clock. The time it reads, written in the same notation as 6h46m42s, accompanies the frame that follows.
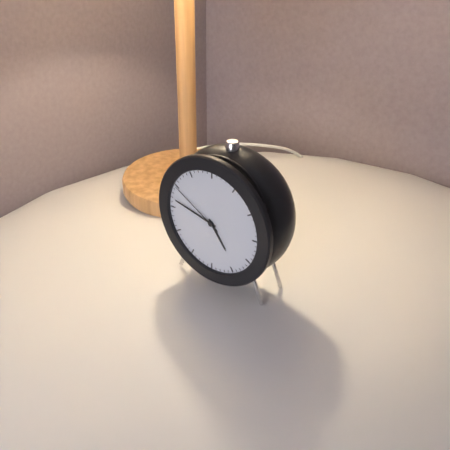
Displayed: 4h47m50s
